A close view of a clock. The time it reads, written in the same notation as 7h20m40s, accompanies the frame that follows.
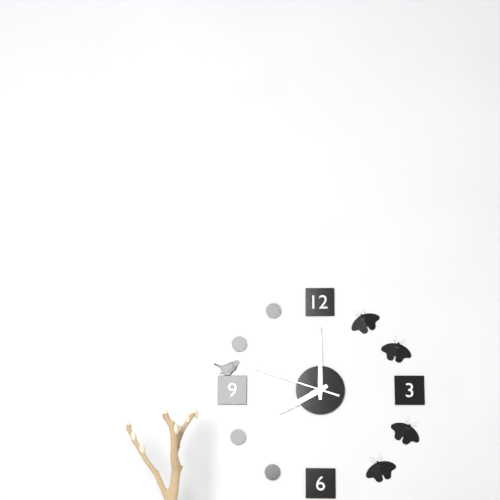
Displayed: 8h00m48s
